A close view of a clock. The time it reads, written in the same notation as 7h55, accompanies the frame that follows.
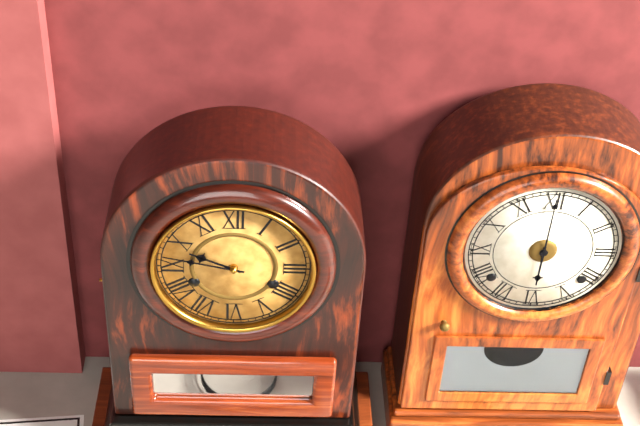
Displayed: 9h47
